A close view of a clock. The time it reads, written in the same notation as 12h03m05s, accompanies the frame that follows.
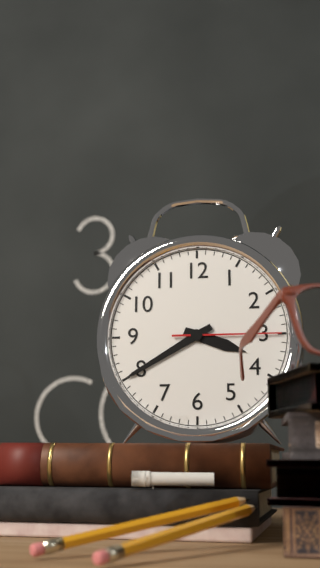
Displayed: 3h40m15s
